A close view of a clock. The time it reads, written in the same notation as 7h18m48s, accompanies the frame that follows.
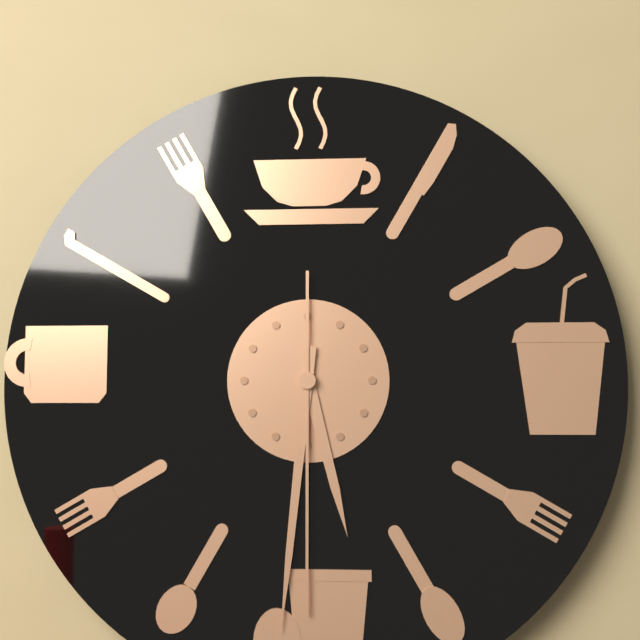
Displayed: 5h31m30s
